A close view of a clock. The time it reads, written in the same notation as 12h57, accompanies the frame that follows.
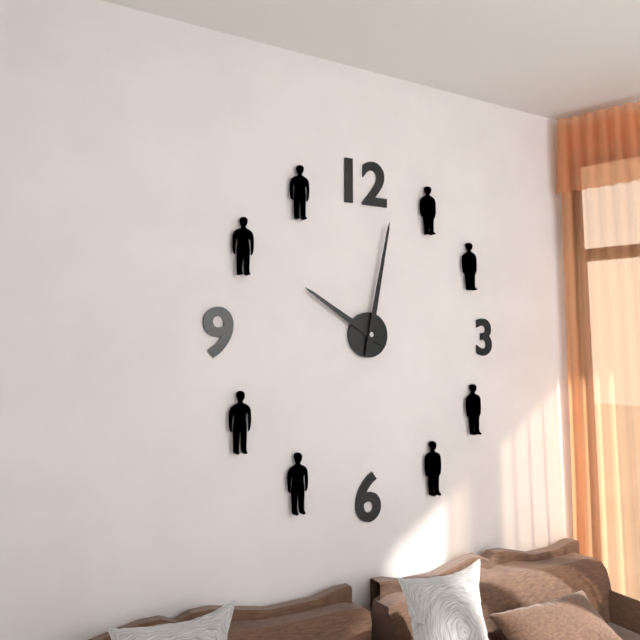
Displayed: 10h02
